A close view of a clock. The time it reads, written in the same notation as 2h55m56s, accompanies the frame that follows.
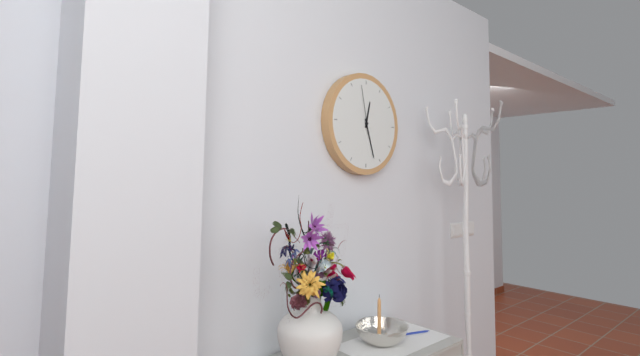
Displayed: 12h27m58s
